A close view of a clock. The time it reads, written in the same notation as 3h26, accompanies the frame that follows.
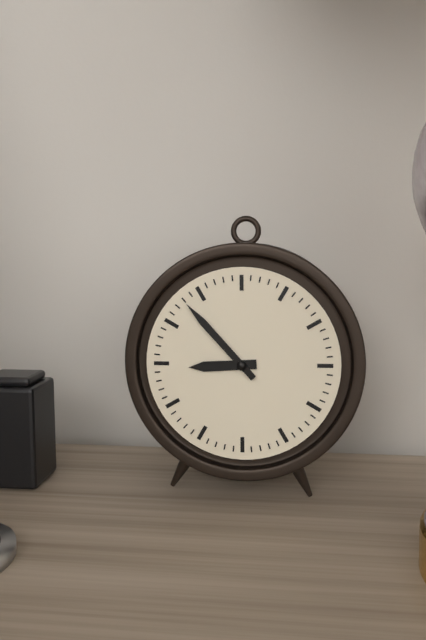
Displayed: 8h53
